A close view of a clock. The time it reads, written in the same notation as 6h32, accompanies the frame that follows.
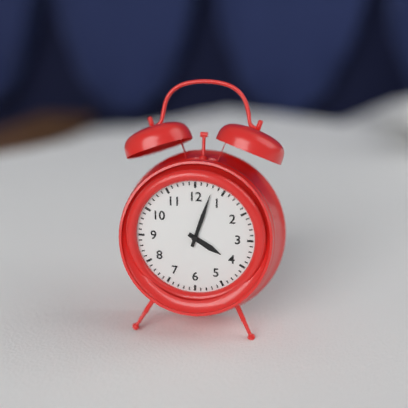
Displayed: 4h03
